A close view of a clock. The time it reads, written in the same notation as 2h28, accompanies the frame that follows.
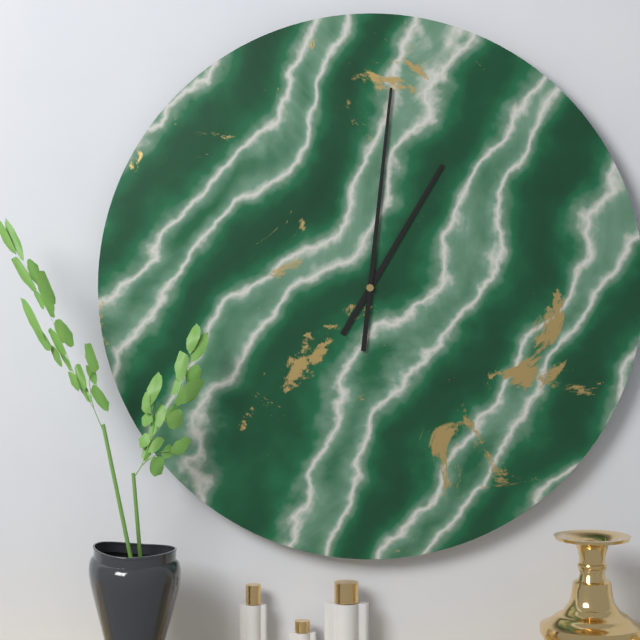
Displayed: 1h01
